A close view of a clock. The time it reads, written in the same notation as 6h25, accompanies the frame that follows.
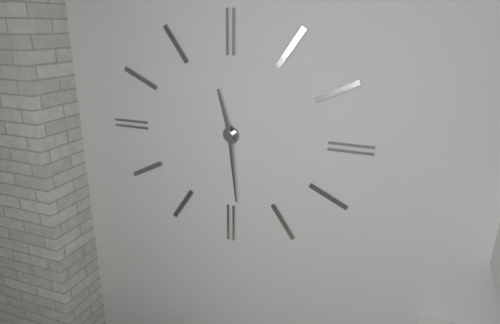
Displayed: 11h29
